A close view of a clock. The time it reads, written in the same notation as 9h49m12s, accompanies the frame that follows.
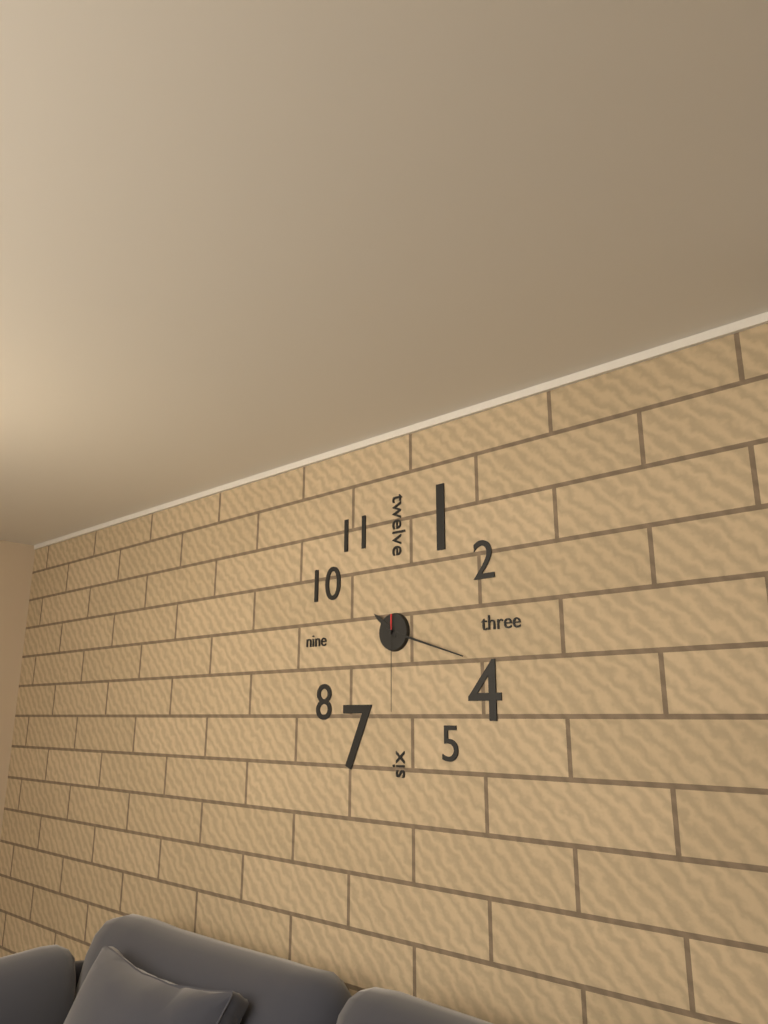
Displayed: 10h18m30s
